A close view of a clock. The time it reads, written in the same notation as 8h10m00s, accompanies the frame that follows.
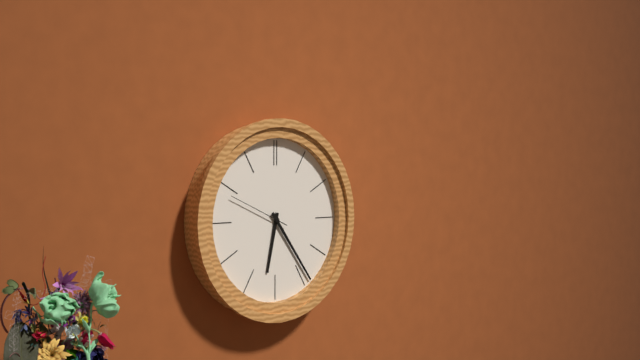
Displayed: 6h24m49s
